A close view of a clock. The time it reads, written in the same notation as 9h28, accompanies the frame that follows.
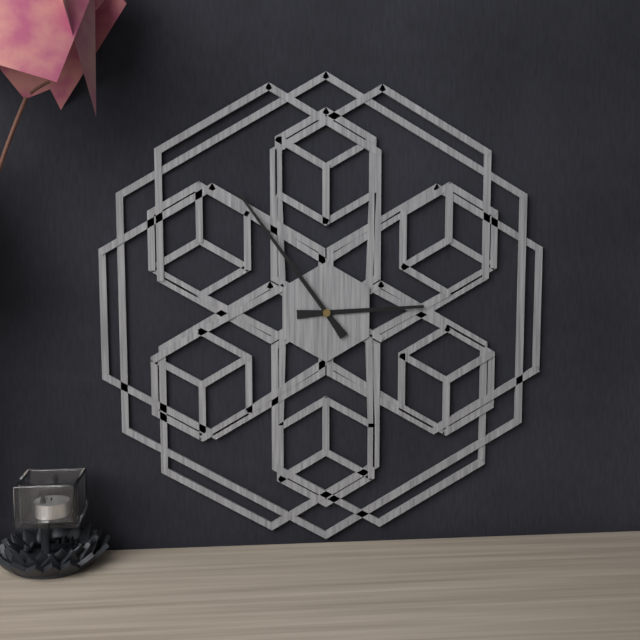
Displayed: 2h54
